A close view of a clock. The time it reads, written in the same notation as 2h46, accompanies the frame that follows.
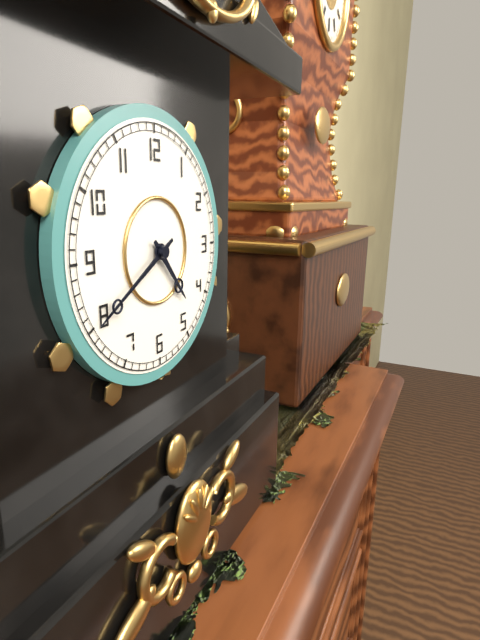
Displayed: 4h40
